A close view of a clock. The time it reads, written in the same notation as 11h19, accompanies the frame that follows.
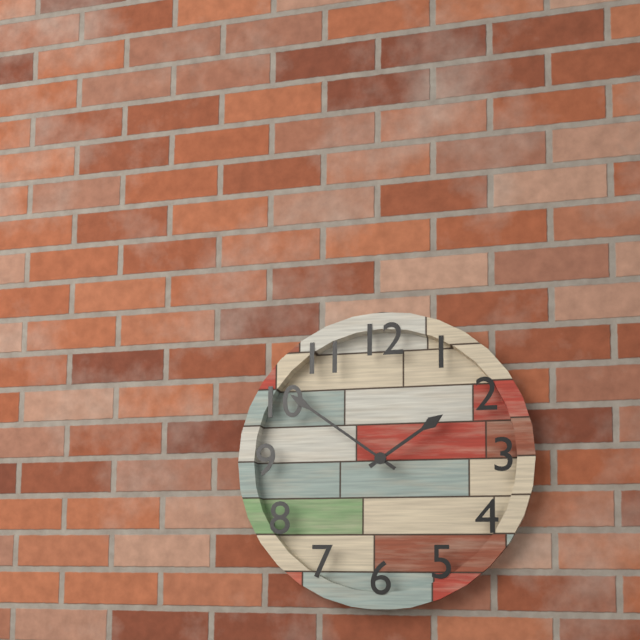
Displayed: 1h51
